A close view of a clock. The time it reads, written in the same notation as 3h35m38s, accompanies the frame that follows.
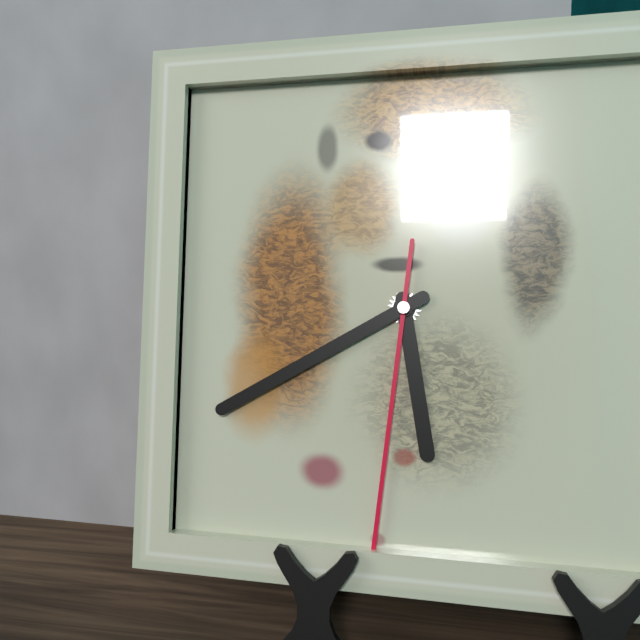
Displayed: 5h40m31s
